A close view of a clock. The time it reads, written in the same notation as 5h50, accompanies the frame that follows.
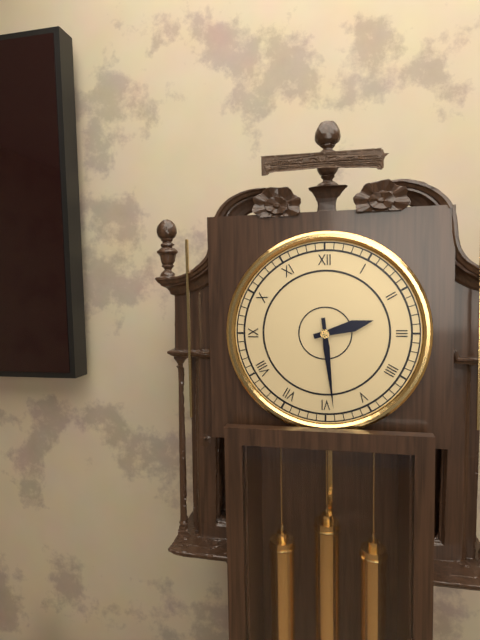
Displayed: 2h29
